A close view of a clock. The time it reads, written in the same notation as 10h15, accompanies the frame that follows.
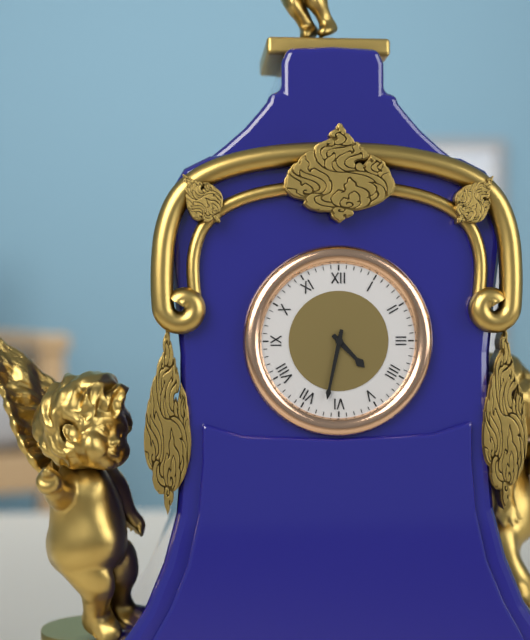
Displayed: 4h32
